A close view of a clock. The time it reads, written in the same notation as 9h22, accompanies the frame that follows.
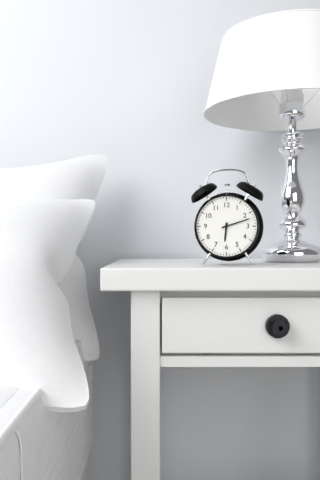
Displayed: 6h12
